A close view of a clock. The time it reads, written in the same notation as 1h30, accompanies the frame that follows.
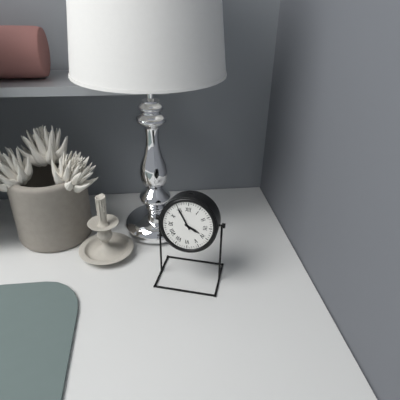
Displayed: 3h55
